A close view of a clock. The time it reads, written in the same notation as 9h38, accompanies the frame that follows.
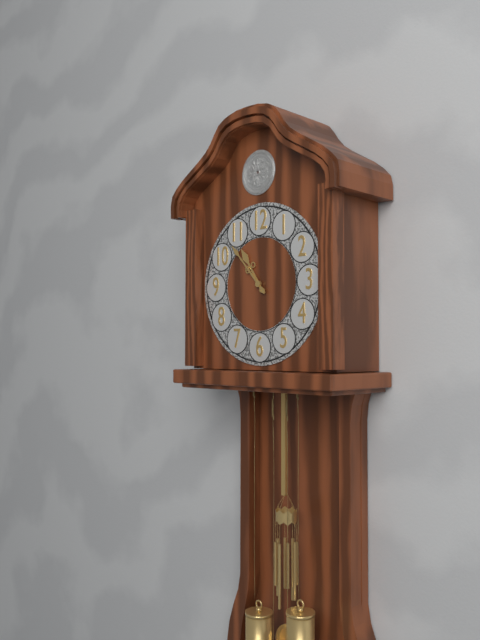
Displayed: 10h53
